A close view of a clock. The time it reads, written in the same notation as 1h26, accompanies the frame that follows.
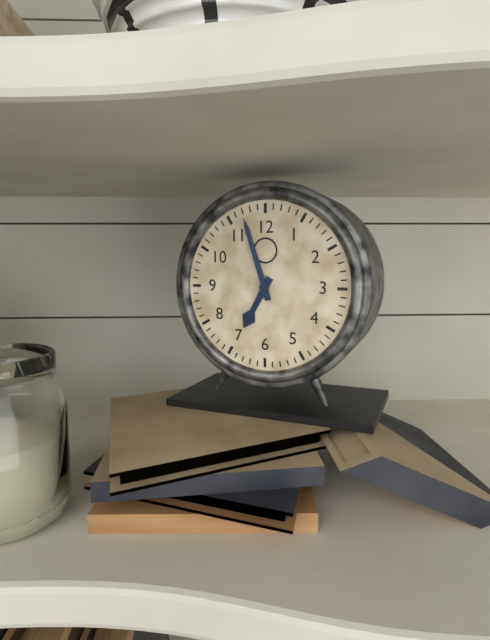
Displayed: 6h57
